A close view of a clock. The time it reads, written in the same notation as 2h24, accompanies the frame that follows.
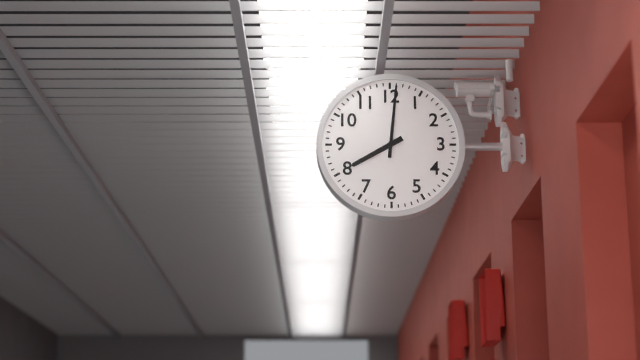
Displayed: 8h01
